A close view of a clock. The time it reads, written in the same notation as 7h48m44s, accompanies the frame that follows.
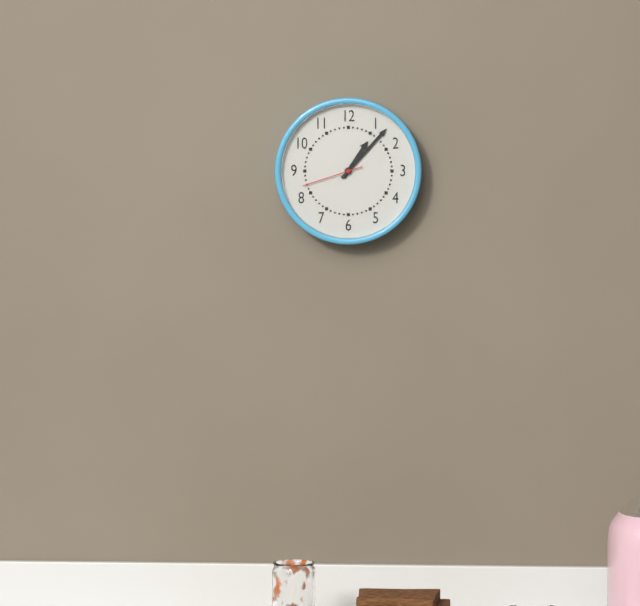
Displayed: 1h07m42s
